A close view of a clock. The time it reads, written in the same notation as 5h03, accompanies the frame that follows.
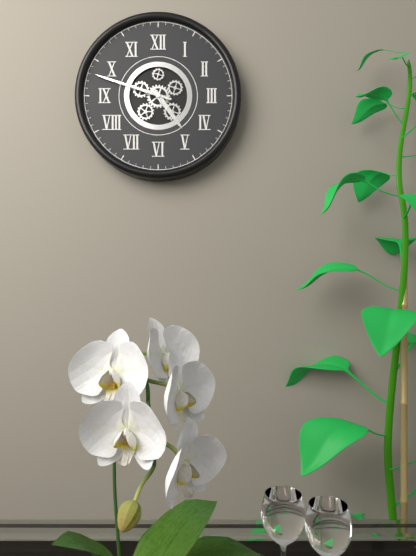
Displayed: 4h48
